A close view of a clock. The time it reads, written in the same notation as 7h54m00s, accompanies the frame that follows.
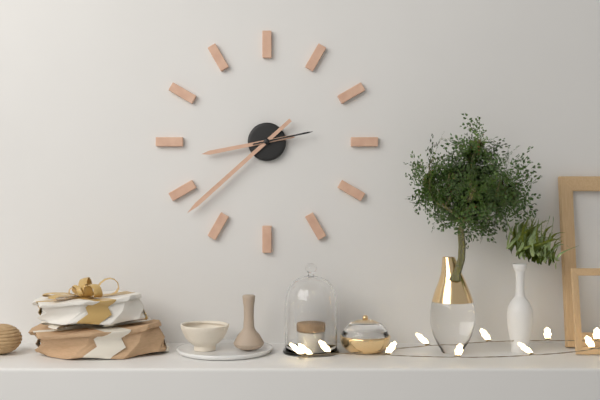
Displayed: 8h38m13s
